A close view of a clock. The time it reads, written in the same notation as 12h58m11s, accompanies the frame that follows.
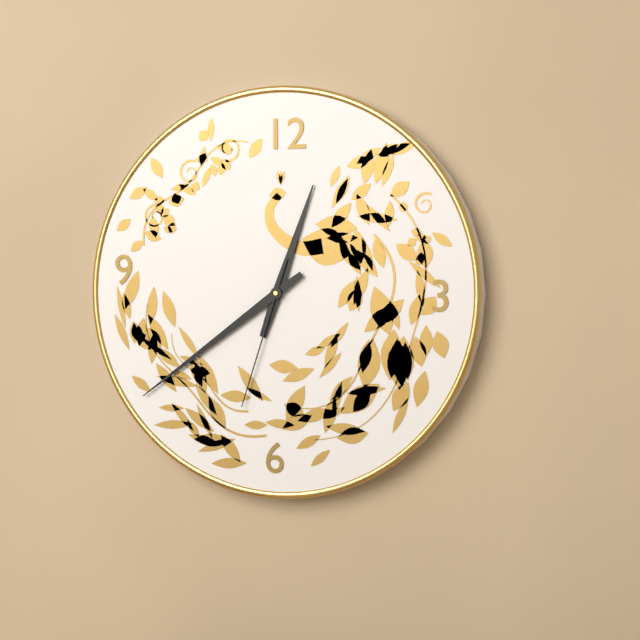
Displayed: 12h39m33s
